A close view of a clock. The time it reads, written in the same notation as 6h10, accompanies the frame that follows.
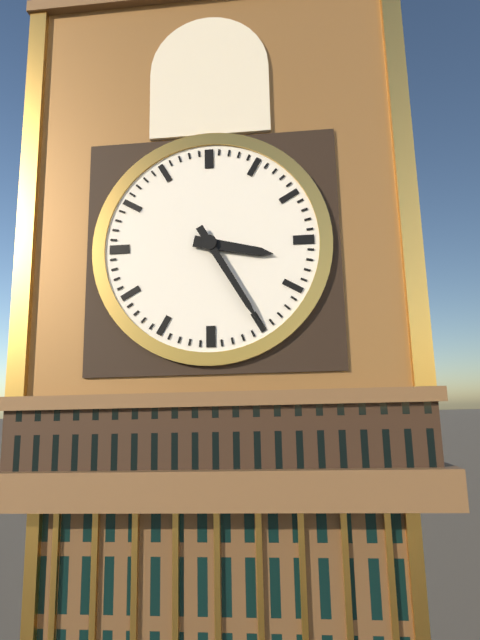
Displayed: 3h25
